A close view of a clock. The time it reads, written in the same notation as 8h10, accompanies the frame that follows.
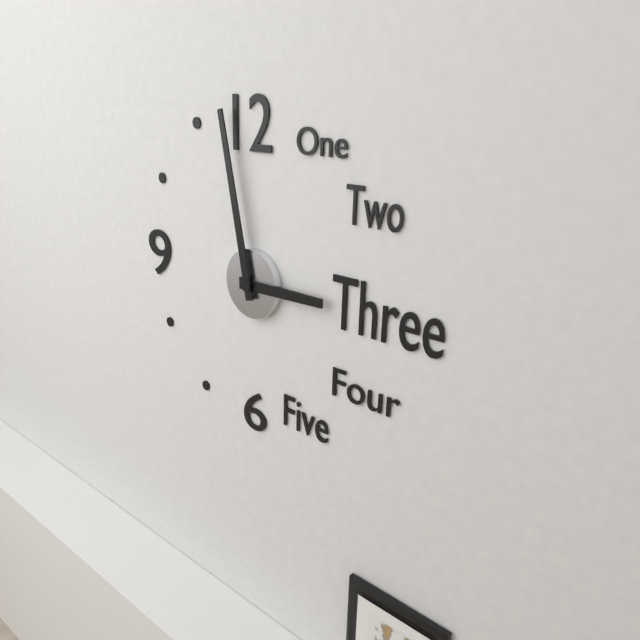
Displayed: 2h58
